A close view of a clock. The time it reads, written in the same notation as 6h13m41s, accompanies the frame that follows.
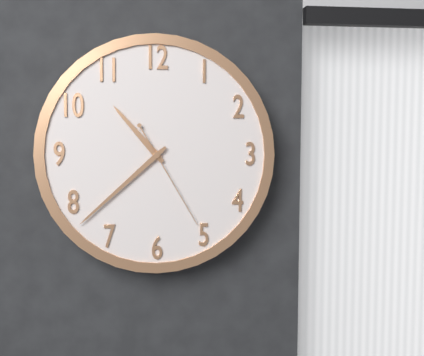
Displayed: 10h38m25s
